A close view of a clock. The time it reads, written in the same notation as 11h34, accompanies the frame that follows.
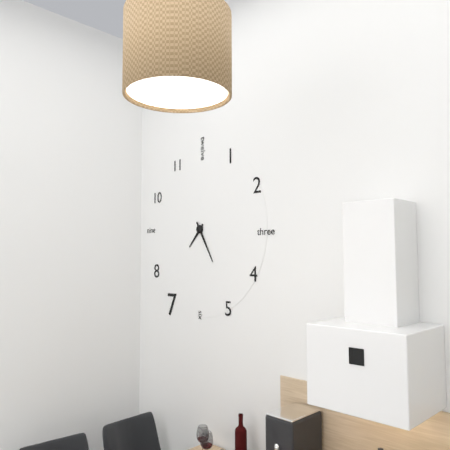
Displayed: 7h25
